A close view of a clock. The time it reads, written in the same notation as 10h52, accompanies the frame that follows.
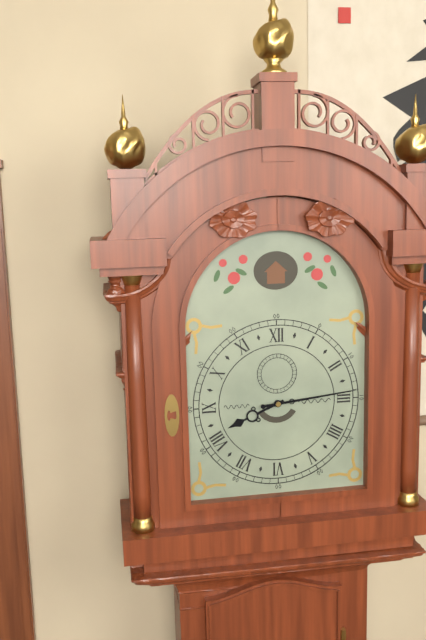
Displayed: 8h14
